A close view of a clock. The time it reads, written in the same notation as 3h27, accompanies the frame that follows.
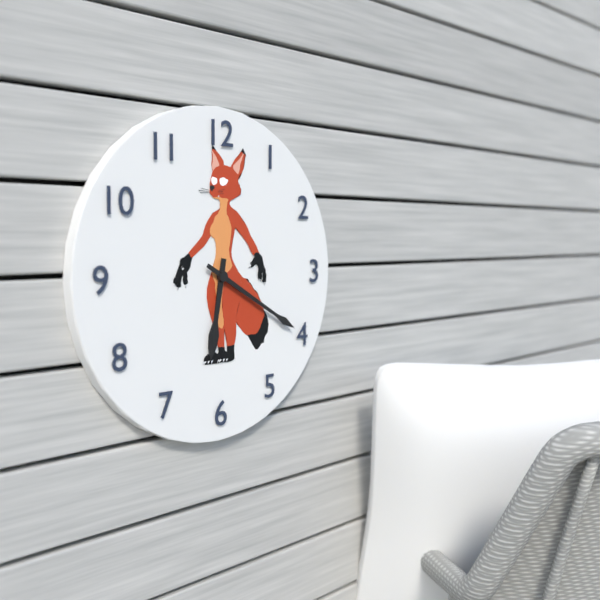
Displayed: 6h20
